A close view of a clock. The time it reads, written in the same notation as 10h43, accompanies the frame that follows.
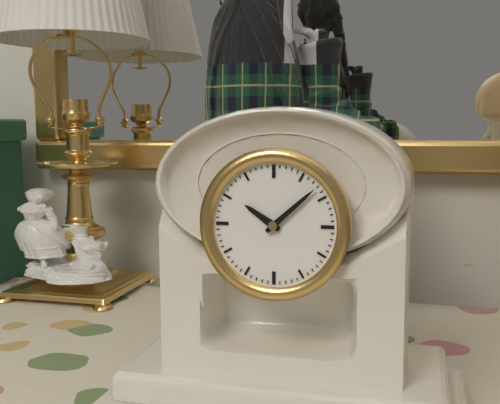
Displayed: 10h08
